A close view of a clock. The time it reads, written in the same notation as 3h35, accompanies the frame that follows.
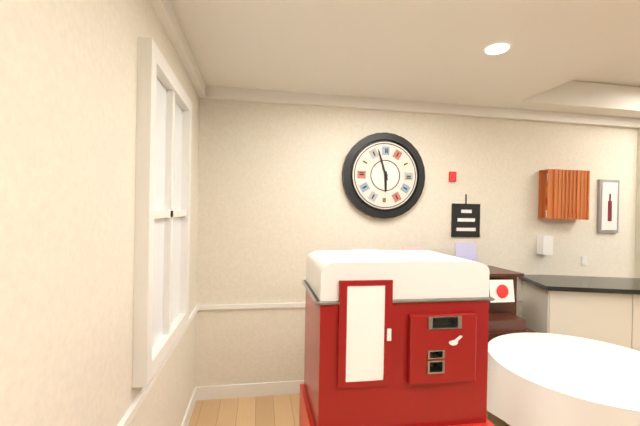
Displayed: 5h57
